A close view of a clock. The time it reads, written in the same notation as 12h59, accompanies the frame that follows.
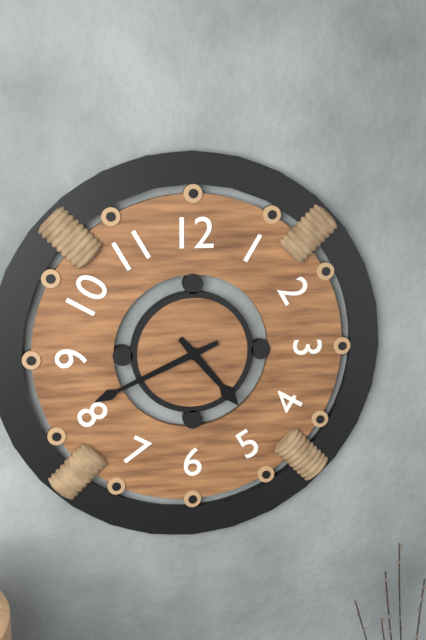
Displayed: 4h41
